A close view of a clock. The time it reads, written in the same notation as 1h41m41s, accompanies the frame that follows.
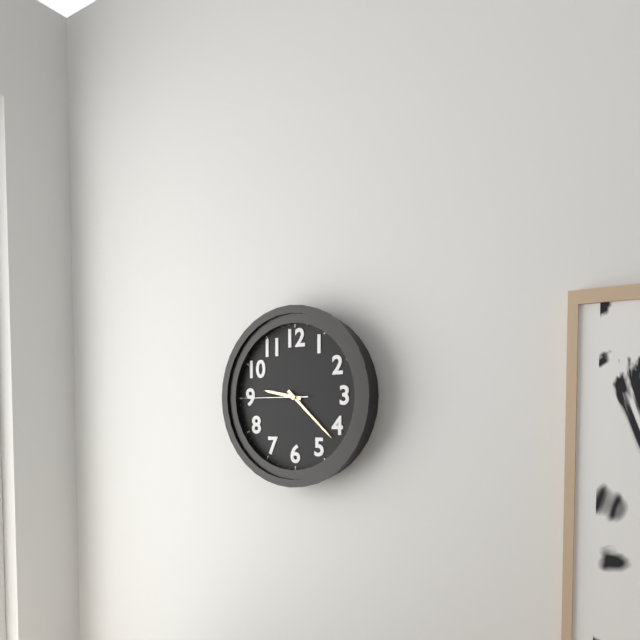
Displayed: 9h22m45s
